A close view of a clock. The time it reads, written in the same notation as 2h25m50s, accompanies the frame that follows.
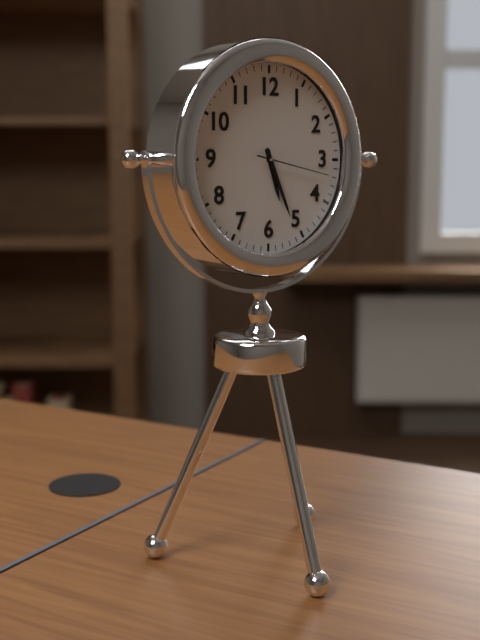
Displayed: 5h26m17s
